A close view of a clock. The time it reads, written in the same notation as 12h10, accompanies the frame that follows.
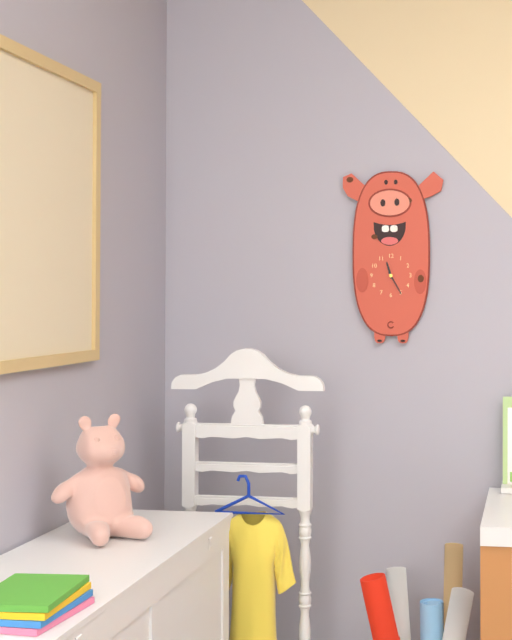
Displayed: 11h25
